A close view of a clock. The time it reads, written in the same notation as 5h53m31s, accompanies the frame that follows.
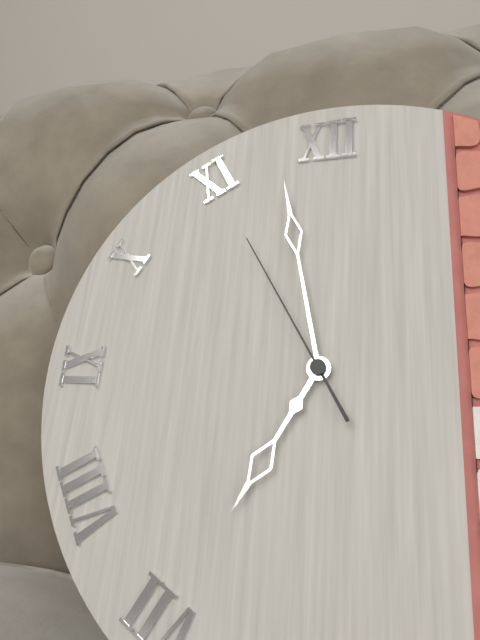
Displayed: 6h58m55s
